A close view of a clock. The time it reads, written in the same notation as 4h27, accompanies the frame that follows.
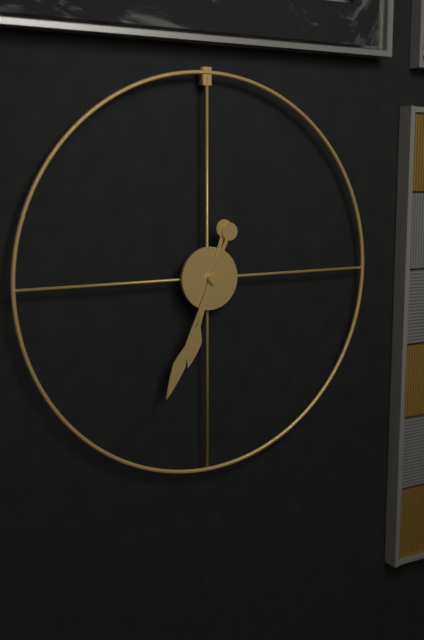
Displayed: 6h34
